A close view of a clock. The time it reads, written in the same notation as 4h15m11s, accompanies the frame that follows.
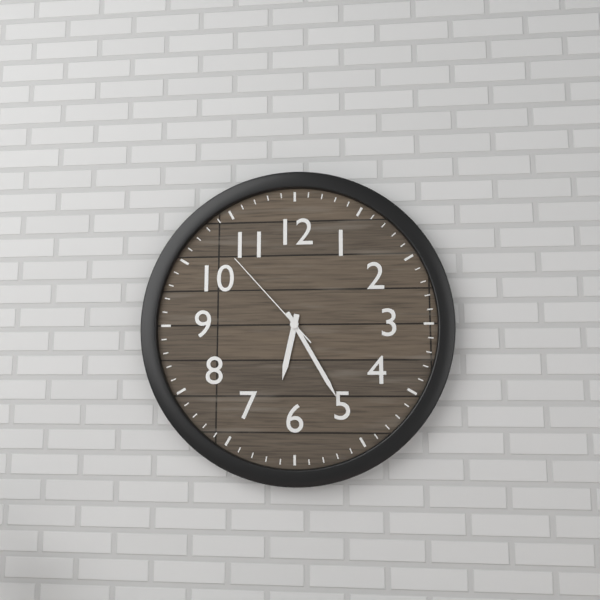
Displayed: 6h25m53s
